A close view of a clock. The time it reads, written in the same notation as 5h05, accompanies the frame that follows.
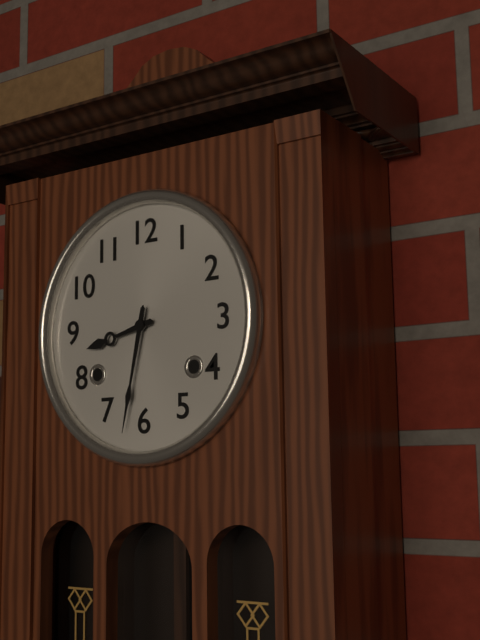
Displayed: 8h32
